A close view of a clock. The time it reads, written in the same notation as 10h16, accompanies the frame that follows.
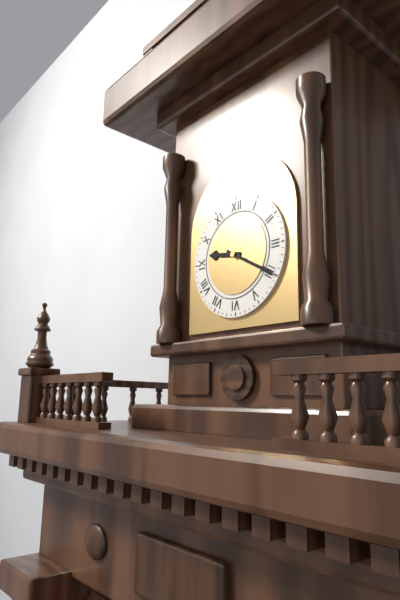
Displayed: 9h20
